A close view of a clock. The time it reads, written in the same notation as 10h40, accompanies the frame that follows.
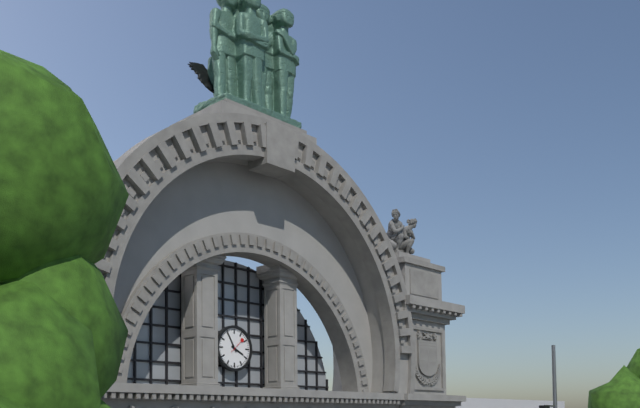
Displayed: 3h55
